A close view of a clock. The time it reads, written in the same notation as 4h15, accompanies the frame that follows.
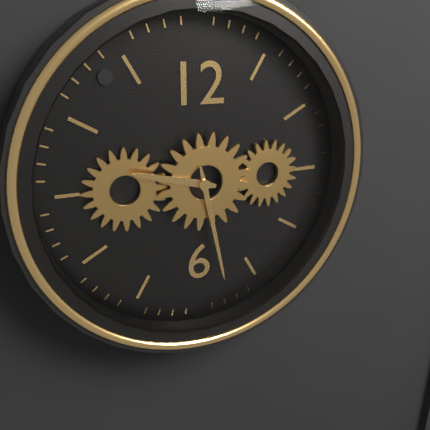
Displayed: 9h28
